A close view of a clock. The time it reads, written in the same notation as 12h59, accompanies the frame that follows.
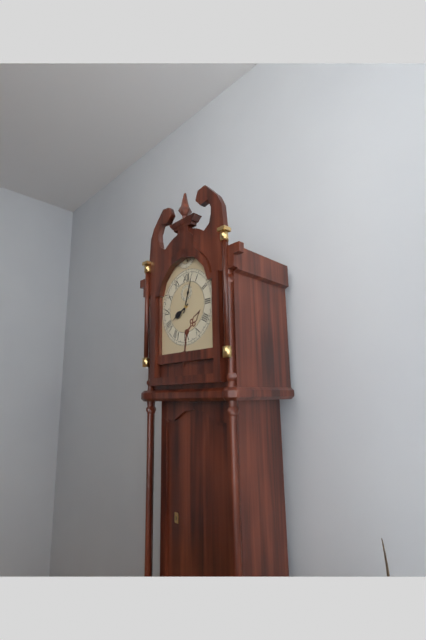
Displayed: 8h03
